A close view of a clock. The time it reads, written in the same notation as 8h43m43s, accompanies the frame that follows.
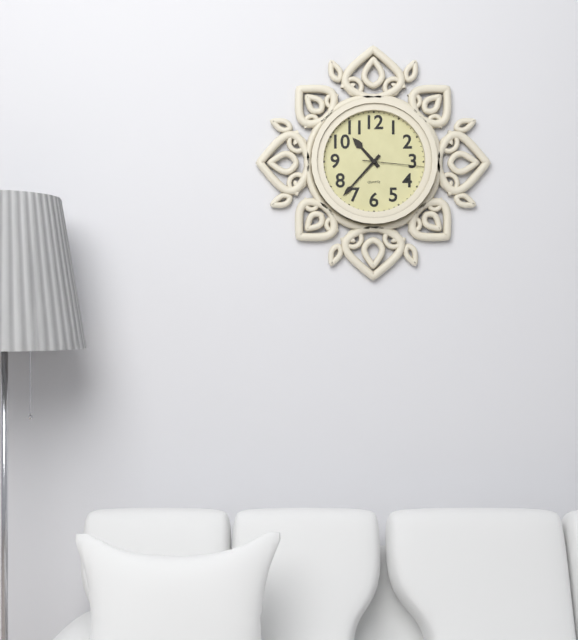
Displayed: 10h37m16s
